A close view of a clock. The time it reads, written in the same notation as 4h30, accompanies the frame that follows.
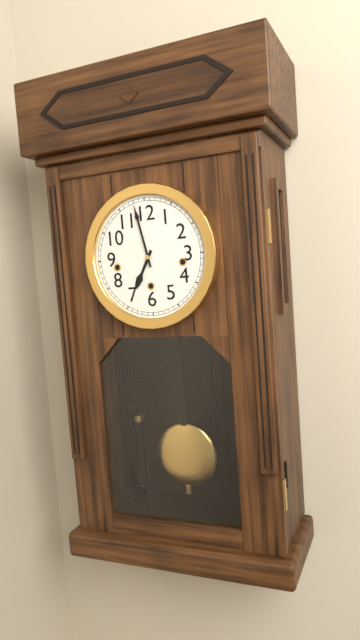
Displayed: 6h58
